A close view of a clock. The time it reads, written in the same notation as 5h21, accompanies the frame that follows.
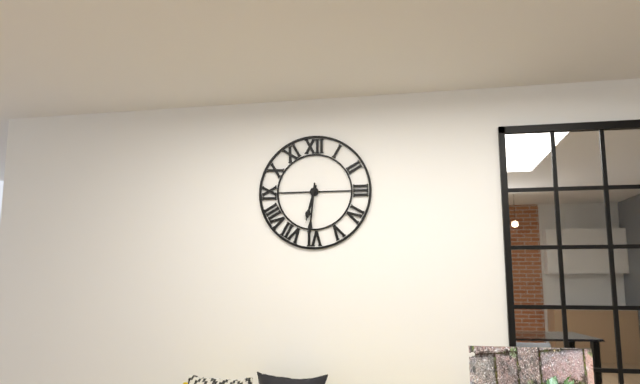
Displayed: 6h31
